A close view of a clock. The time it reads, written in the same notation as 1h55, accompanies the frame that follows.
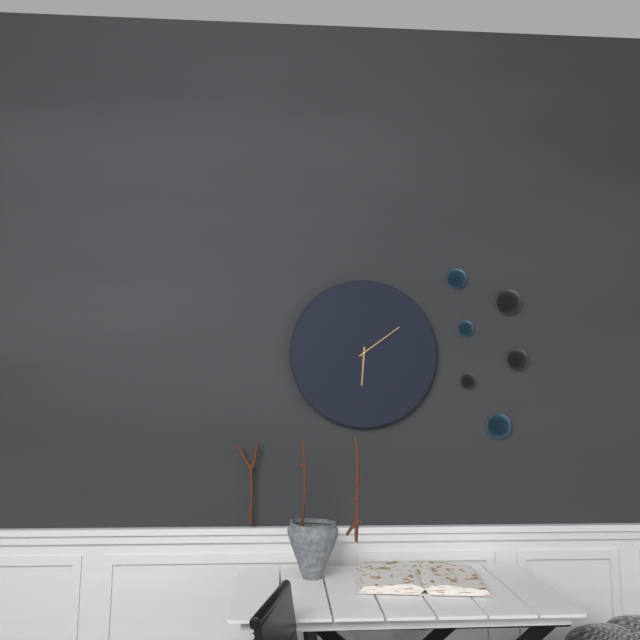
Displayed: 6h09
